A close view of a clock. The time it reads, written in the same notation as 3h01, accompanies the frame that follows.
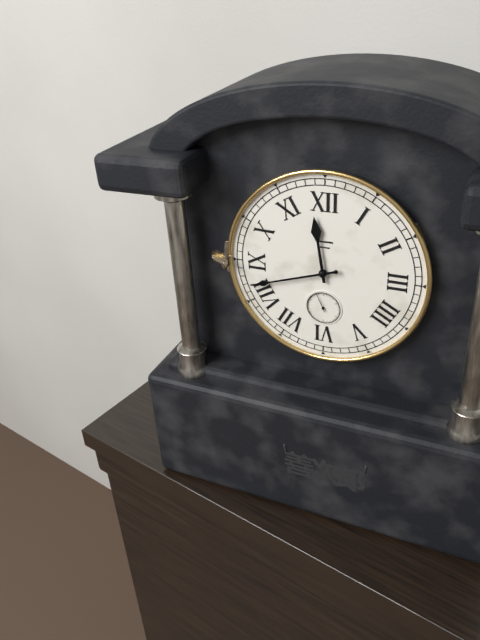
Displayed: 11h42
